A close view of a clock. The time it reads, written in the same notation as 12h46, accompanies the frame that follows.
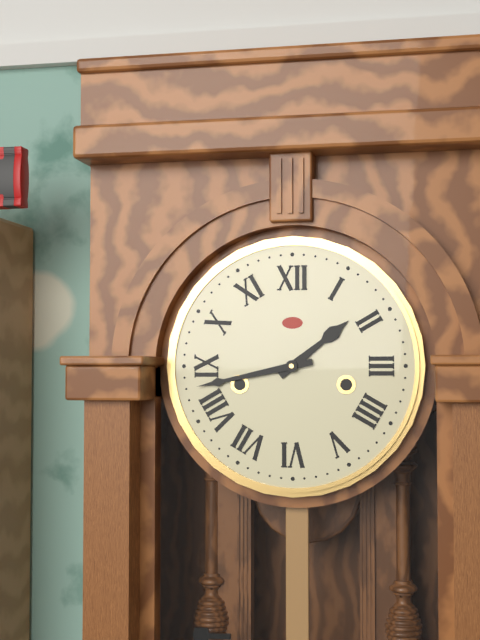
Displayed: 1h43
